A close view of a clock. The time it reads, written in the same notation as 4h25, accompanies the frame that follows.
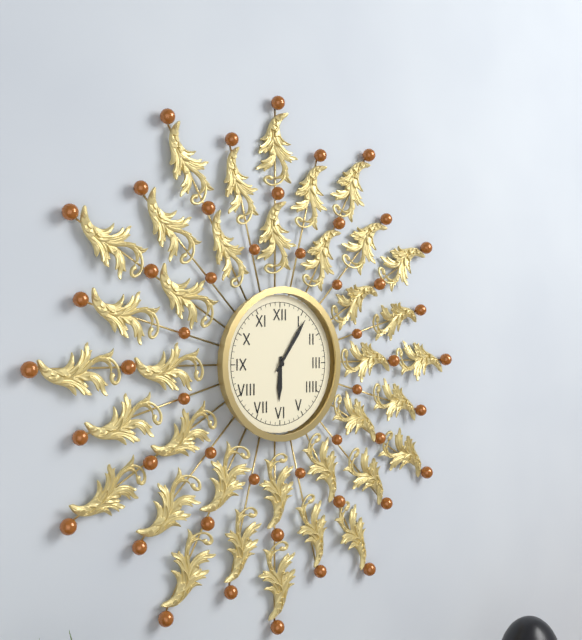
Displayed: 6h06
